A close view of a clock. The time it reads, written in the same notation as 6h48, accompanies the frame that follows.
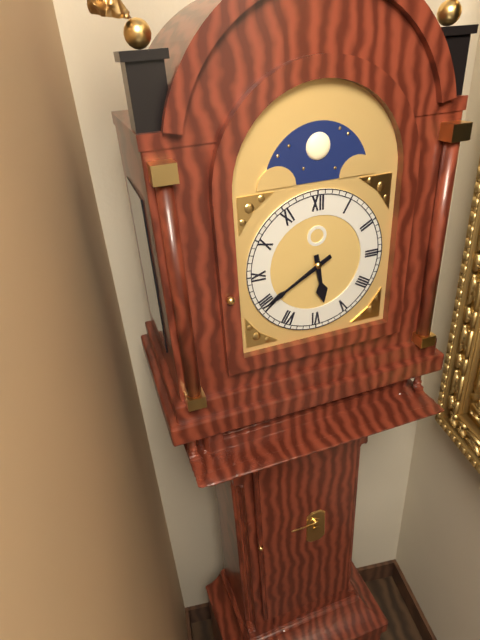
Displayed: 5h40
